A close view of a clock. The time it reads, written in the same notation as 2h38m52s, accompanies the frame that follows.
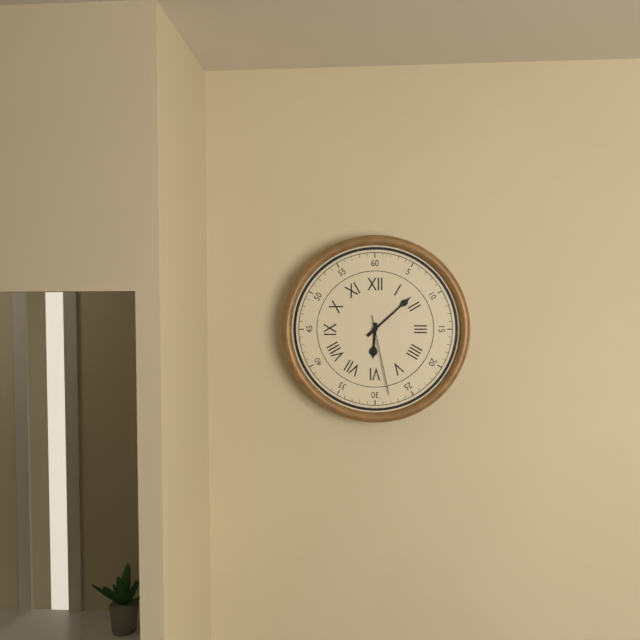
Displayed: 6h08m28s
